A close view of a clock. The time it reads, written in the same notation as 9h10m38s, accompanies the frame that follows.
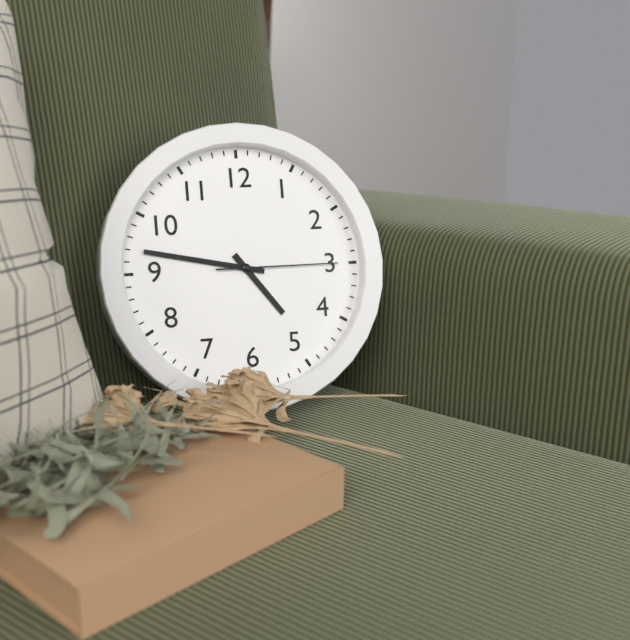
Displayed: 4h47m15s
